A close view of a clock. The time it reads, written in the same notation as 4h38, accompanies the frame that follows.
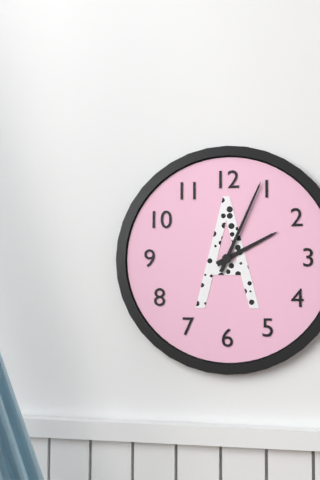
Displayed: 2h04
